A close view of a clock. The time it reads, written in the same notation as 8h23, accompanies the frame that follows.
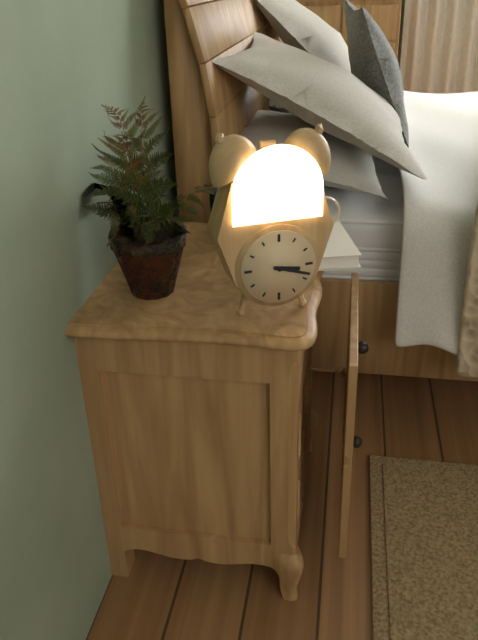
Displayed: 3h18
